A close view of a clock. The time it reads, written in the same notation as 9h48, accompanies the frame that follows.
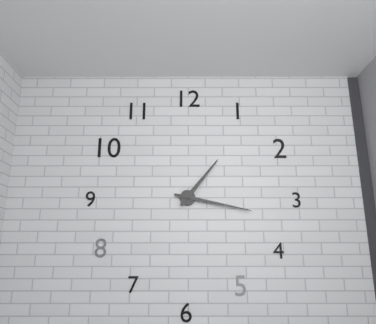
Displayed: 1h17
